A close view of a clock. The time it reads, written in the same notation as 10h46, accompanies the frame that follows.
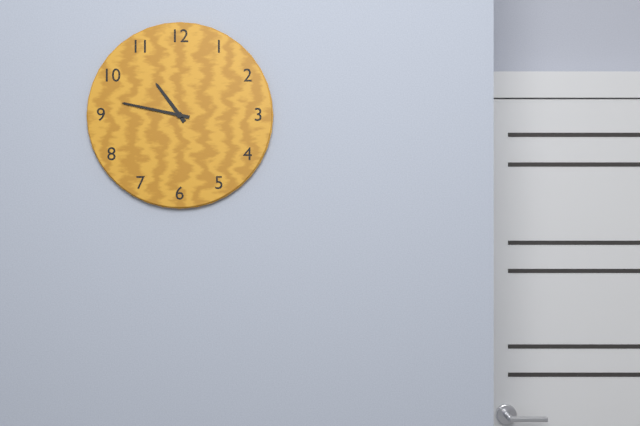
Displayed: 10h47
